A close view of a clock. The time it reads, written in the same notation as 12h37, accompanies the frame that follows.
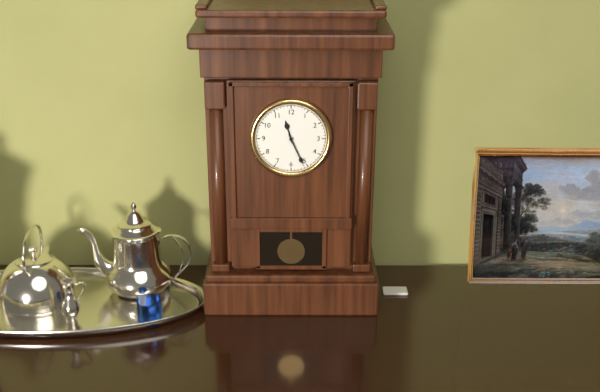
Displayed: 11h26
